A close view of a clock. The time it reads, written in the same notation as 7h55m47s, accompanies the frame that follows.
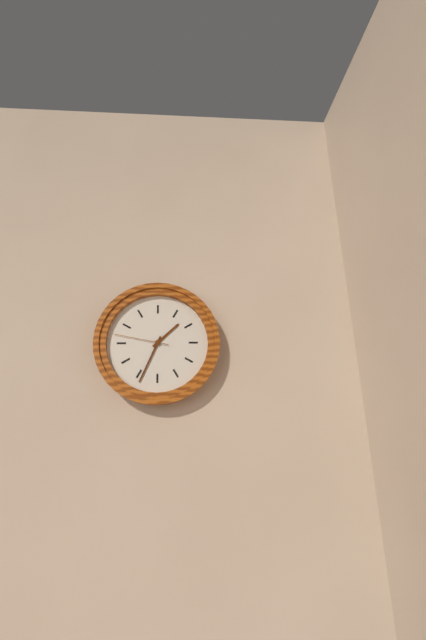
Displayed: 1h34m47s
